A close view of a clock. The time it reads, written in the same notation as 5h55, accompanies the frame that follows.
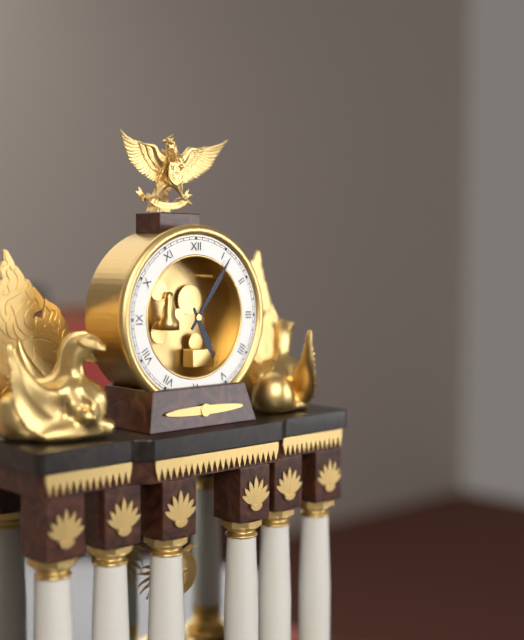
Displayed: 5h06
